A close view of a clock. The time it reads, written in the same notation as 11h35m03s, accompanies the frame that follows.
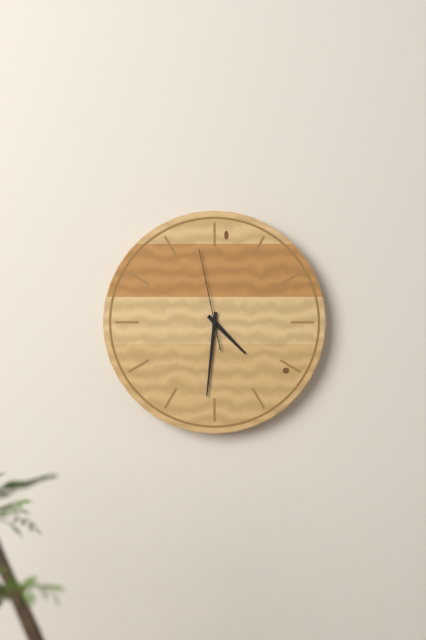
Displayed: 4h31m58s
